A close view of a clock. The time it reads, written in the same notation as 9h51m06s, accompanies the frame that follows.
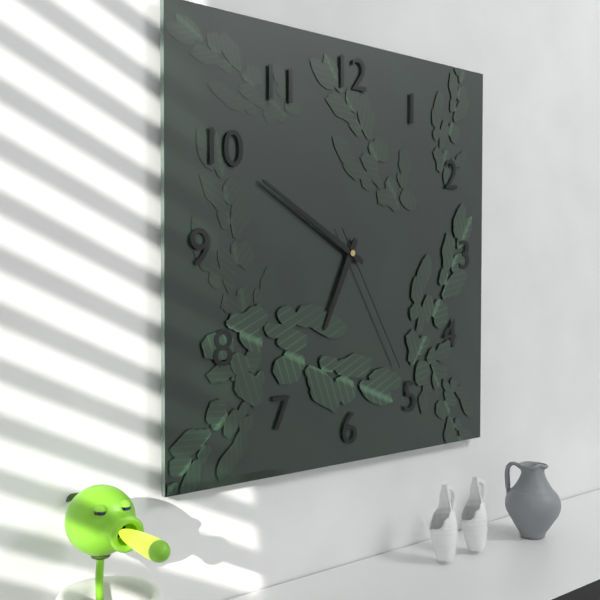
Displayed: 6h50m25s
